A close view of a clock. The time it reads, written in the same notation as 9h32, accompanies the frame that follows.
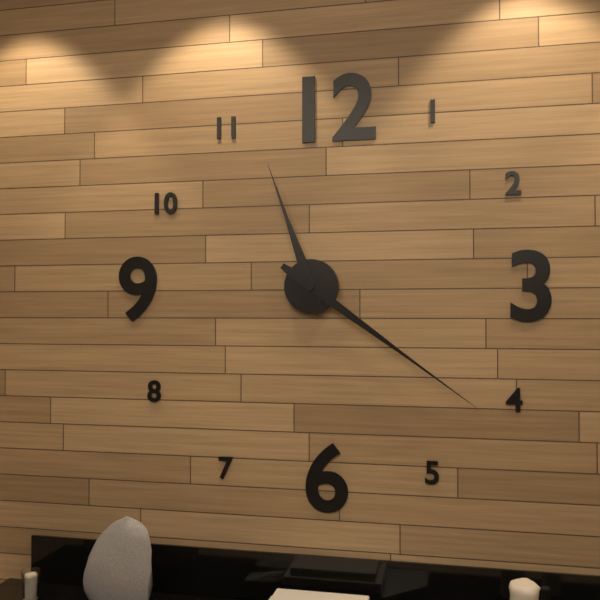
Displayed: 11h21
